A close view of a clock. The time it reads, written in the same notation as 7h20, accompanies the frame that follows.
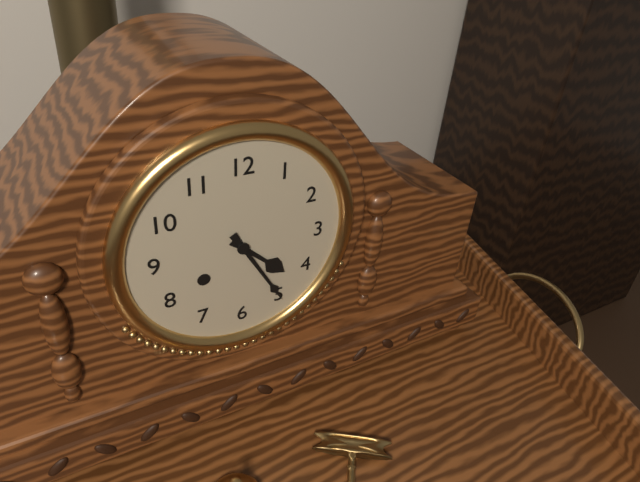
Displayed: 4h25
